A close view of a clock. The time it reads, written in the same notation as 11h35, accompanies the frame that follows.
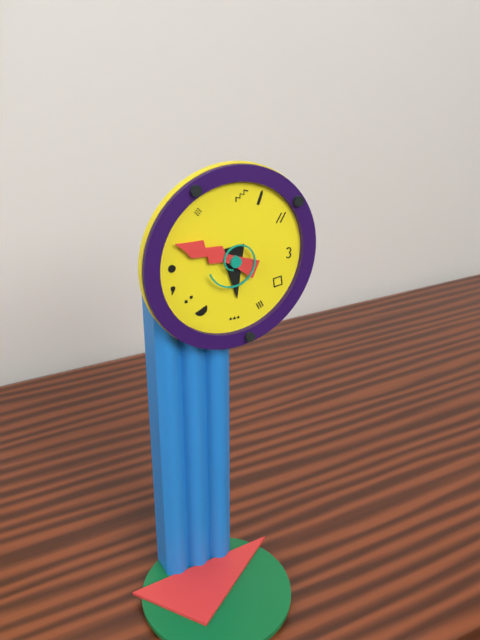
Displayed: 5h49
